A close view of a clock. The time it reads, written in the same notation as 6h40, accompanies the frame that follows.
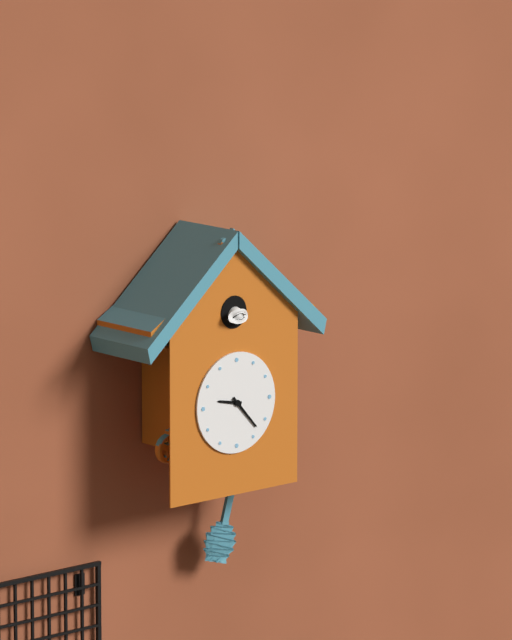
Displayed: 9h23
